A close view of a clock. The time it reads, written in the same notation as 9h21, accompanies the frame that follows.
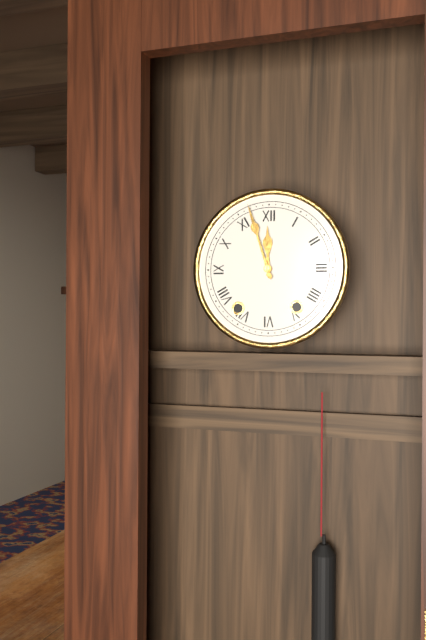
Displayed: 11h57
